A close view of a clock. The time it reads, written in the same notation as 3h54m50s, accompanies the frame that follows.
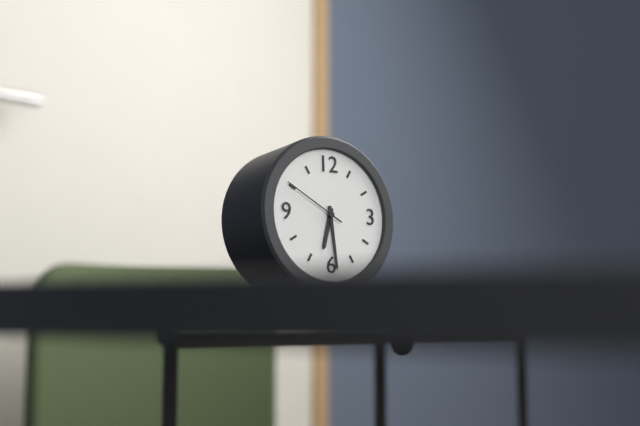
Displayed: 6h29m50s
